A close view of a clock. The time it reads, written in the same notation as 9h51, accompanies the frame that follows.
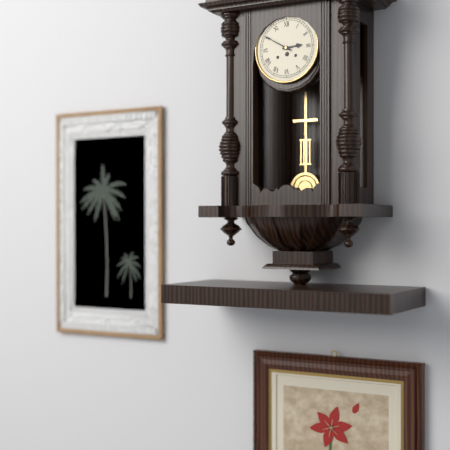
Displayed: 2h50
